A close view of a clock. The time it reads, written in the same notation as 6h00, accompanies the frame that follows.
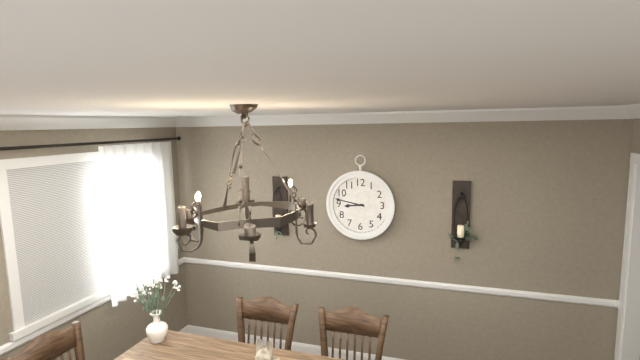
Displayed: 8h47
